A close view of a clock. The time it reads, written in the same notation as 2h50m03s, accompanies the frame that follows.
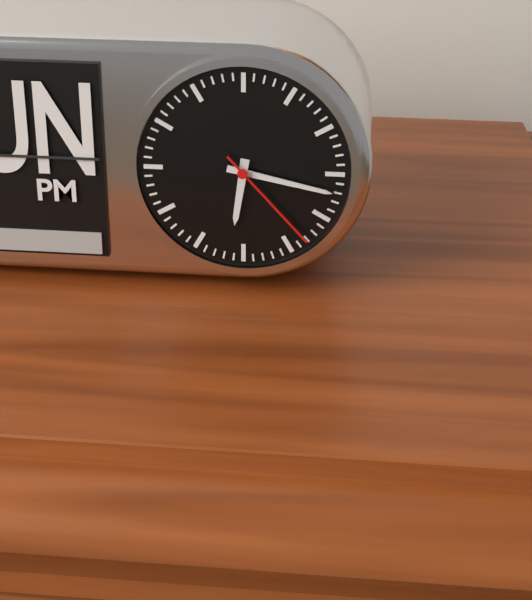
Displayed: 6h17m23s
